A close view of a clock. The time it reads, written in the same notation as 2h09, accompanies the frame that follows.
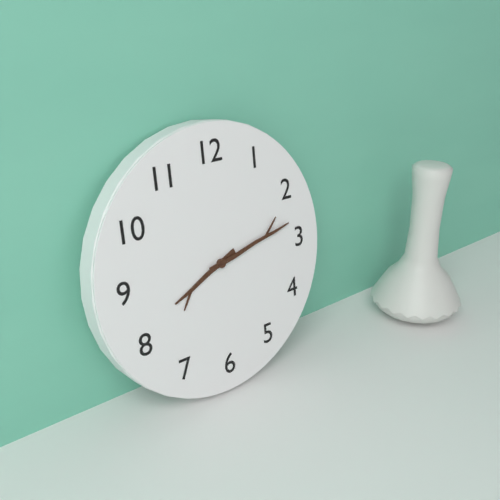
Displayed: 8h13
